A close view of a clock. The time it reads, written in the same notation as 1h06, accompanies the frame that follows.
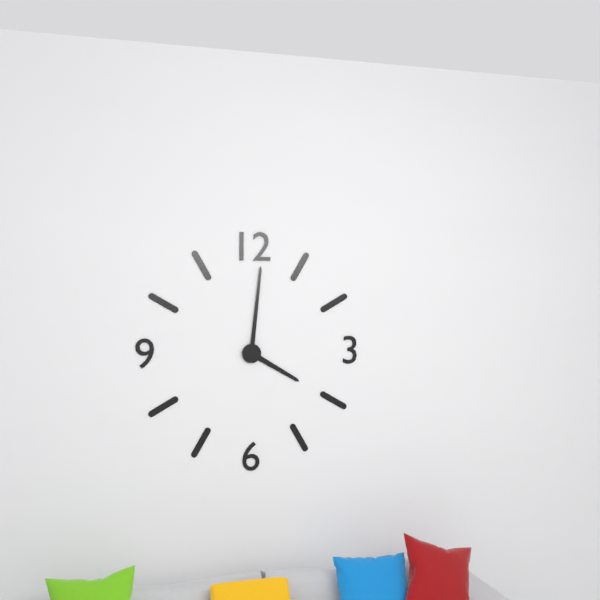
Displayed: 4h01
